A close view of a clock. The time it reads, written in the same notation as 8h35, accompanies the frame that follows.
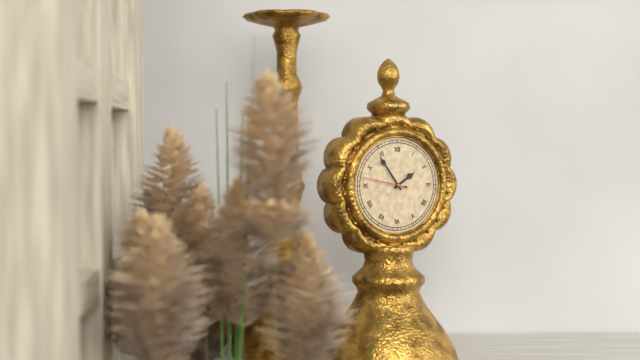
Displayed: 1h54
